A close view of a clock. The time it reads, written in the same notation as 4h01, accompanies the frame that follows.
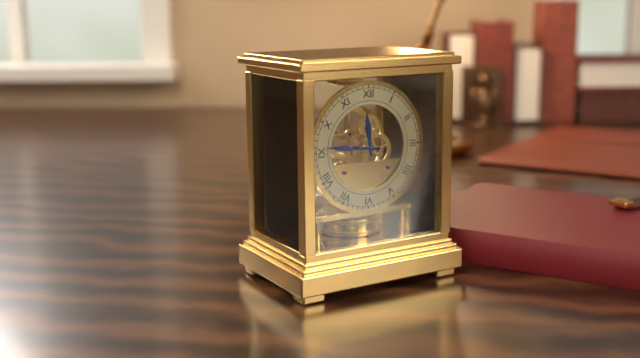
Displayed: 11h46
